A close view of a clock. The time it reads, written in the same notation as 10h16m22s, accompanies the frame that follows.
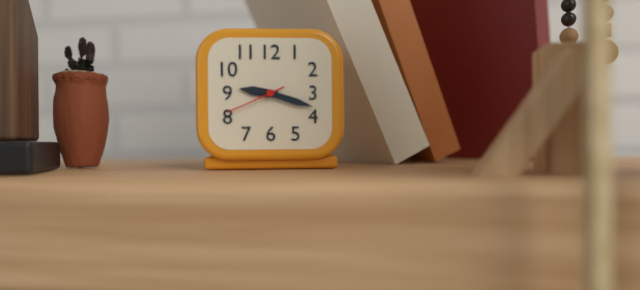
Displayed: 9h18m41s
